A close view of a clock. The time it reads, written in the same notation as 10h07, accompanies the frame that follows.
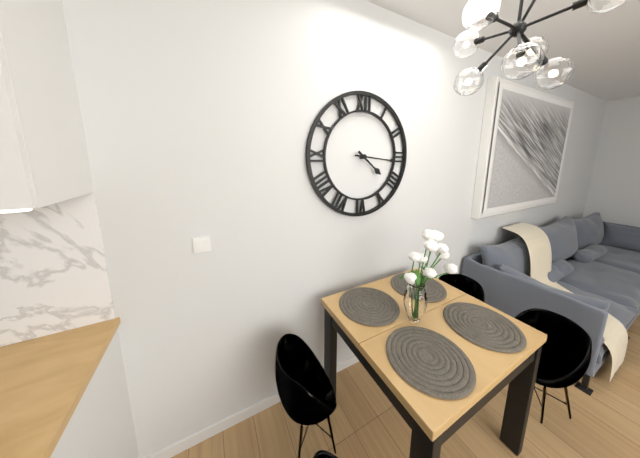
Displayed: 4h16
